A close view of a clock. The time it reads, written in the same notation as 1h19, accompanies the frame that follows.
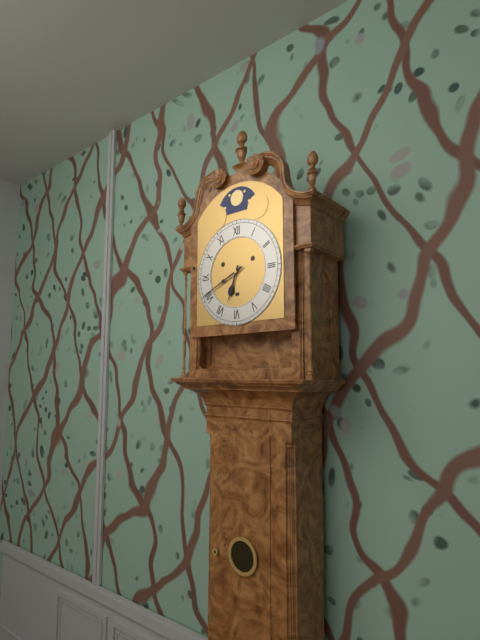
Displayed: 6h41
